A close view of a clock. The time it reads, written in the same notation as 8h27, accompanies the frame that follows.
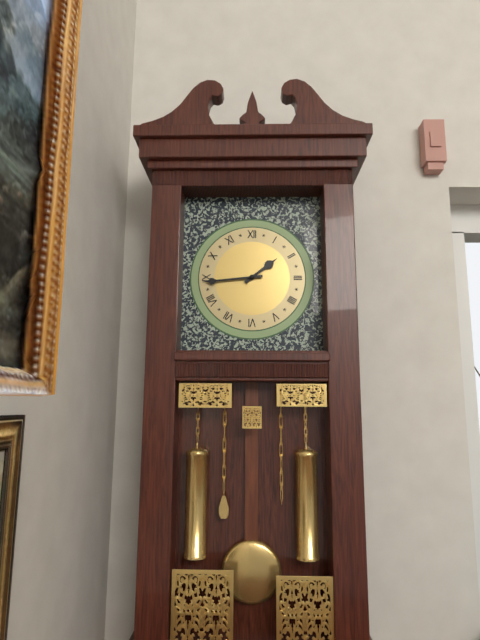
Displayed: 1h44
